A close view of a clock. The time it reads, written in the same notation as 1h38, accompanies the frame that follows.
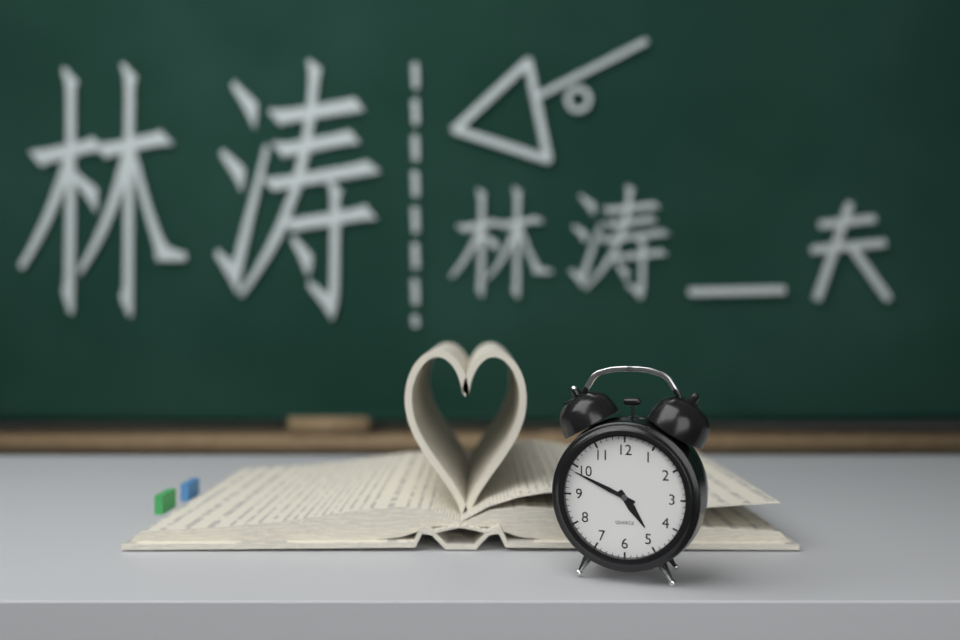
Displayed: 4h49
